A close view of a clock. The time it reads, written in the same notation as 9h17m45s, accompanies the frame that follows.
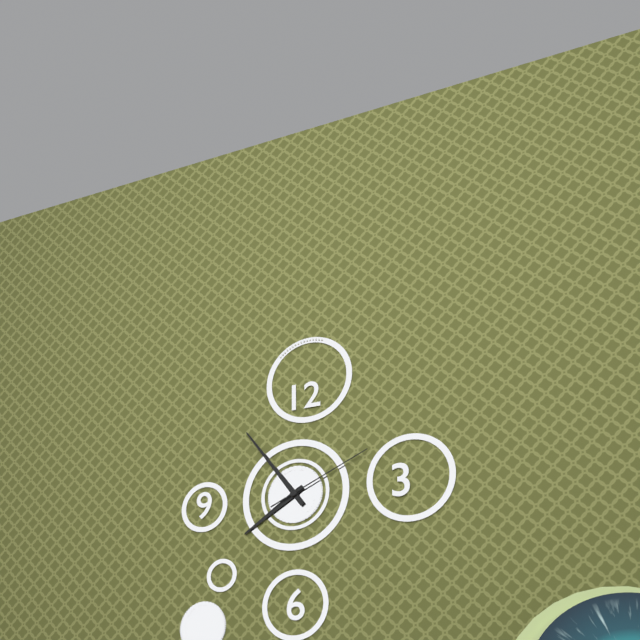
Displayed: 7h54m11s
